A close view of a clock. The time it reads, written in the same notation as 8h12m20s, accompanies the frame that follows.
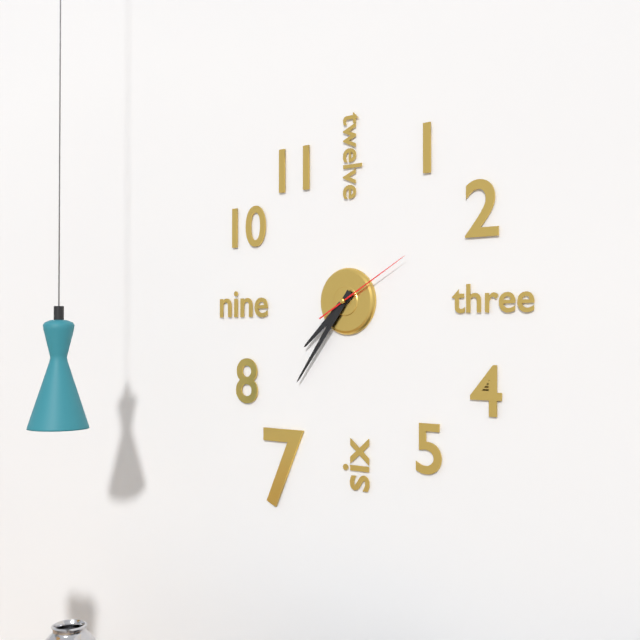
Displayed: 7h36m10s
